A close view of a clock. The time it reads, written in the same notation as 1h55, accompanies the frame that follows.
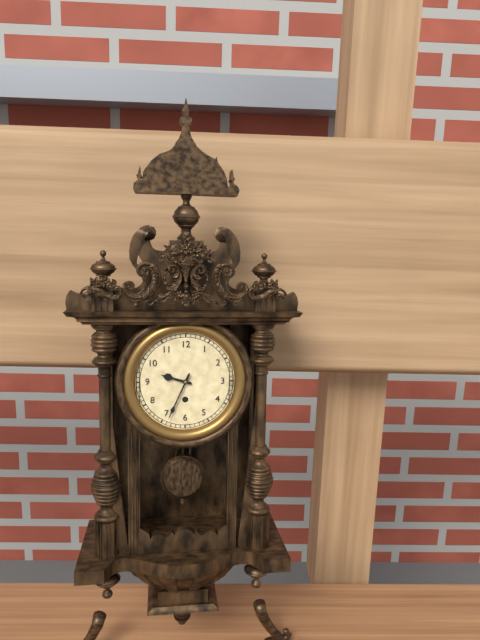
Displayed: 9h34
